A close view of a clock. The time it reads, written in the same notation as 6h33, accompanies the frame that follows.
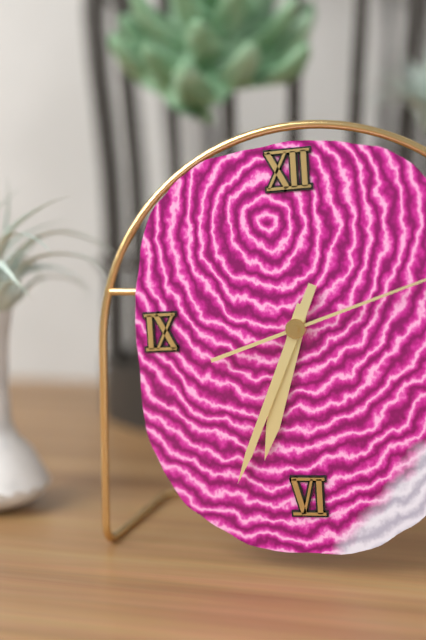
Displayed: 6h34
